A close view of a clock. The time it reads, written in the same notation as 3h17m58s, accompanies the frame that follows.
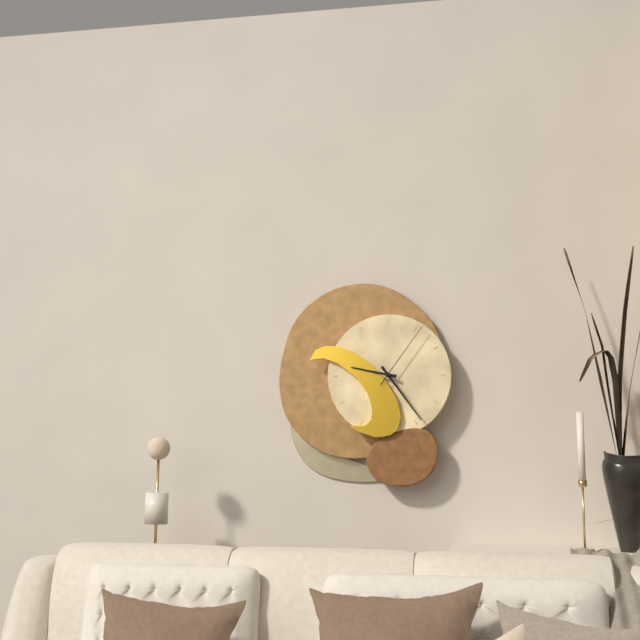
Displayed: 9h24m06s
